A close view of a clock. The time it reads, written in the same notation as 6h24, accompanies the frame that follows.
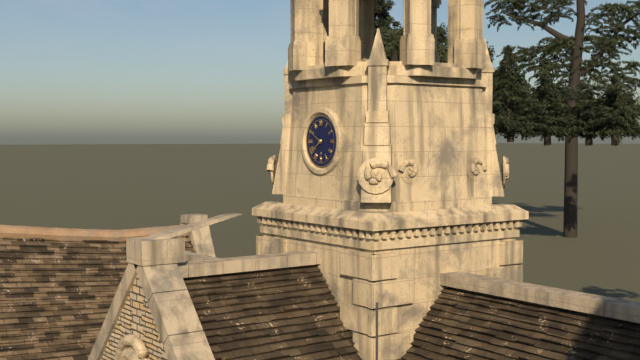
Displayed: 7h50
